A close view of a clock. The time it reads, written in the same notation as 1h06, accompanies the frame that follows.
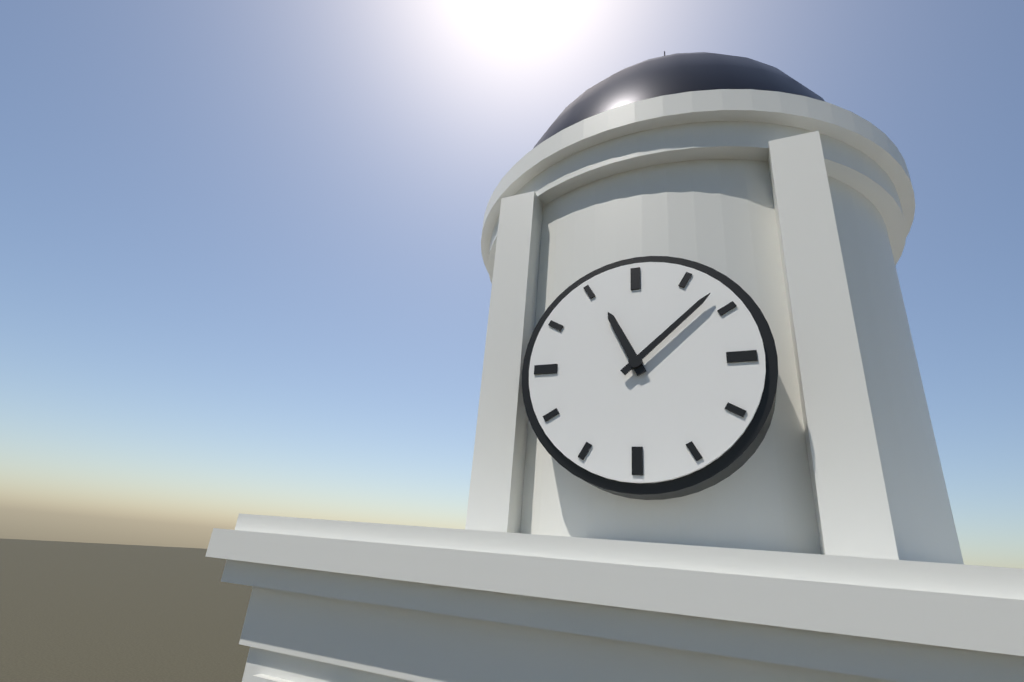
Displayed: 11h08
